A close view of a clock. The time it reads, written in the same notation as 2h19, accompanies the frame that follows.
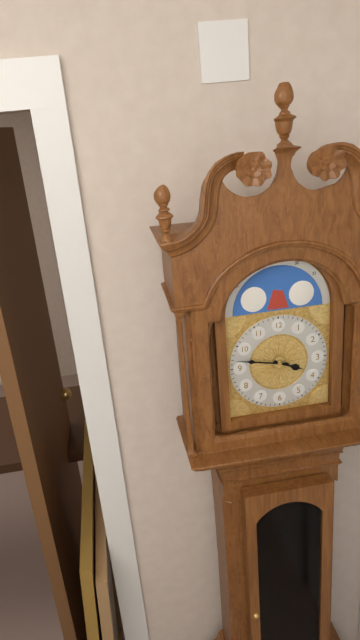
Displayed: 3h47
